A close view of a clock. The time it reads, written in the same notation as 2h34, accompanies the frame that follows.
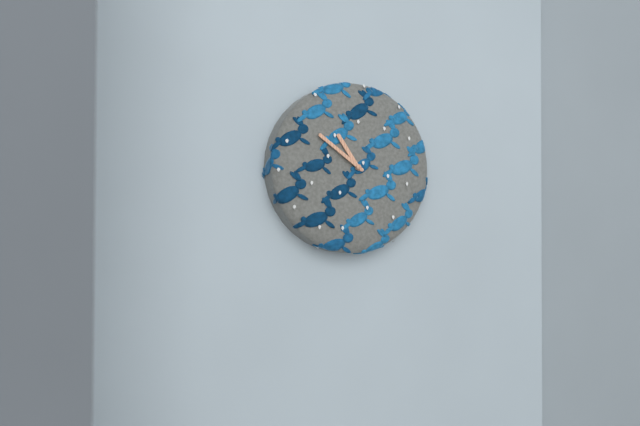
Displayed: 10h51
